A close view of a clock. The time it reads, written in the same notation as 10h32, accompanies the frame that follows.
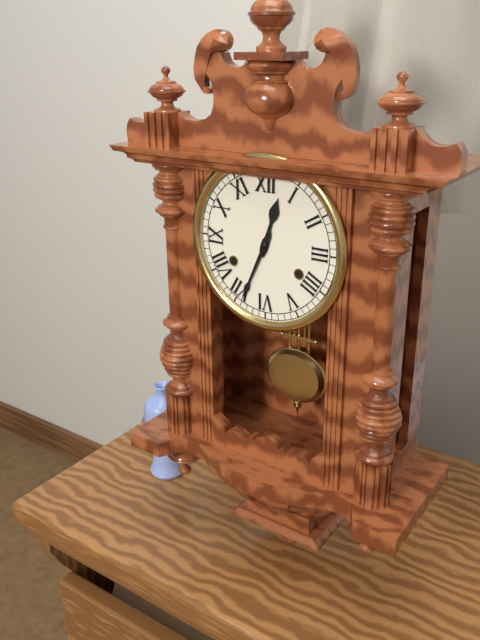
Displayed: 12h34
